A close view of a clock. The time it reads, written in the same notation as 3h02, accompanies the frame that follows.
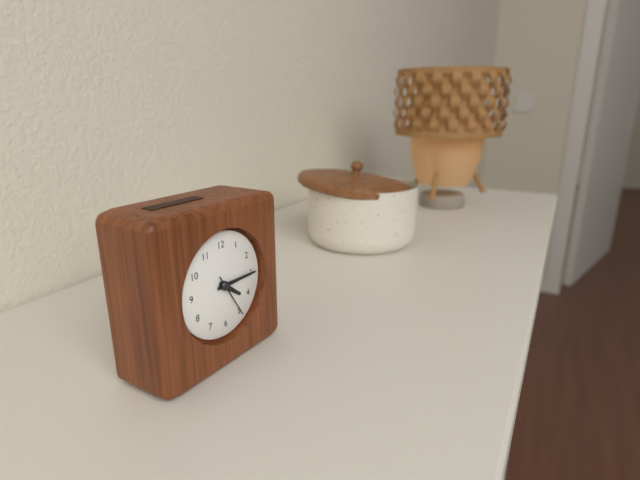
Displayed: 4h15
